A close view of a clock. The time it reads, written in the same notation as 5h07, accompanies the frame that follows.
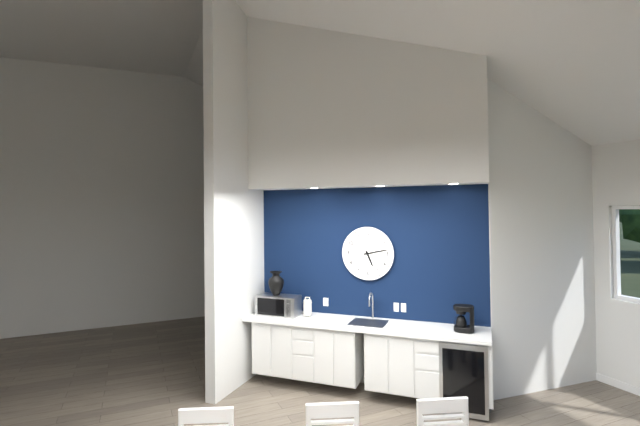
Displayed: 5h13
